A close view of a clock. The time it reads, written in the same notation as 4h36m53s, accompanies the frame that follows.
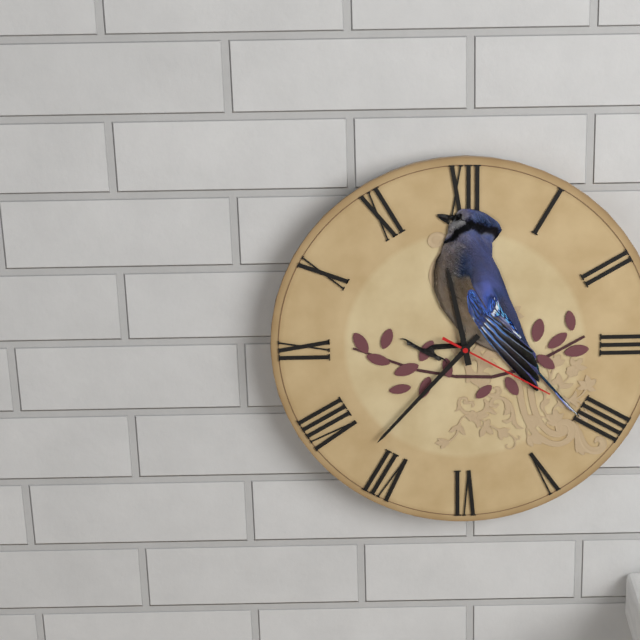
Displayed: 11h37m20s
